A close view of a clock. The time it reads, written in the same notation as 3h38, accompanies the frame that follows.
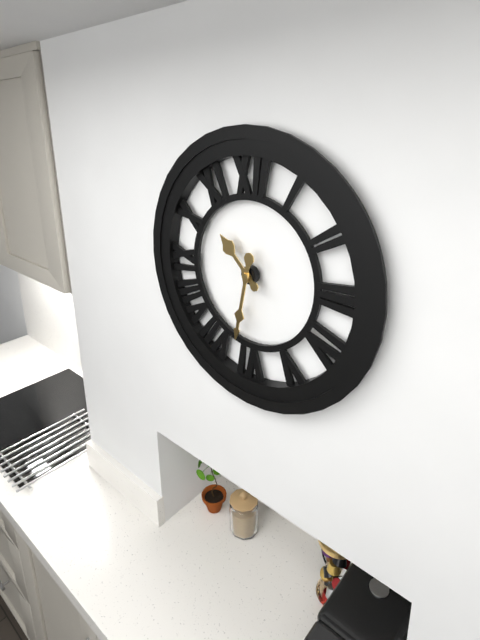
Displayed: 10h32
